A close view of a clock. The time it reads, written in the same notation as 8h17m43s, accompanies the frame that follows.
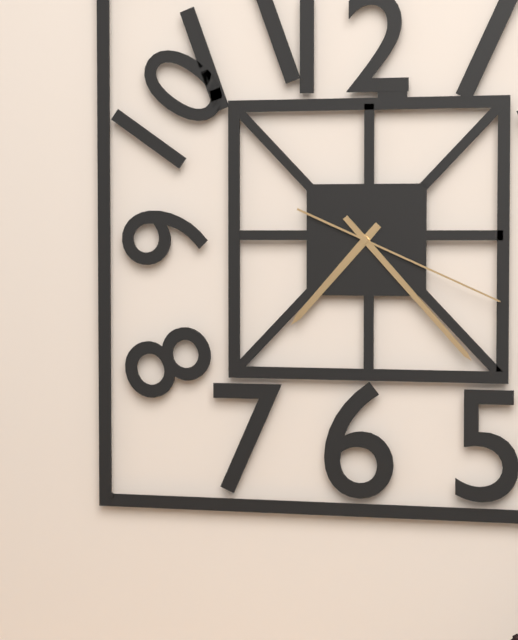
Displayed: 7h23m19s
